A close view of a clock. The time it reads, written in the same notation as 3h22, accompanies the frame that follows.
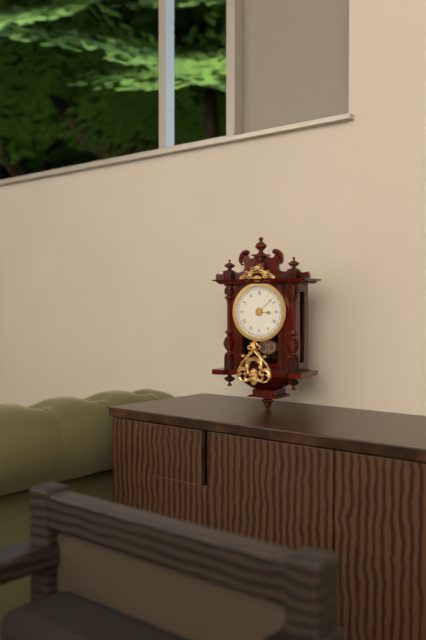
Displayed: 3h08
